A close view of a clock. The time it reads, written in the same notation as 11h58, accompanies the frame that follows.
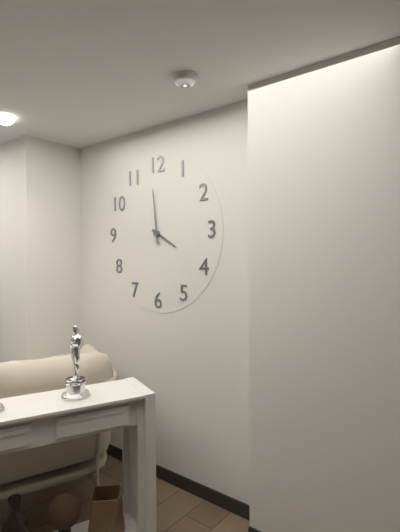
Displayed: 3h59
